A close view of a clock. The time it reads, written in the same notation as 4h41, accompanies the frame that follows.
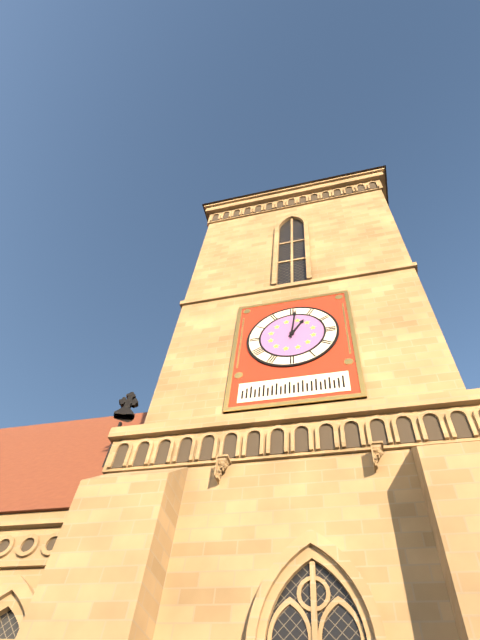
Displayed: 1h01
